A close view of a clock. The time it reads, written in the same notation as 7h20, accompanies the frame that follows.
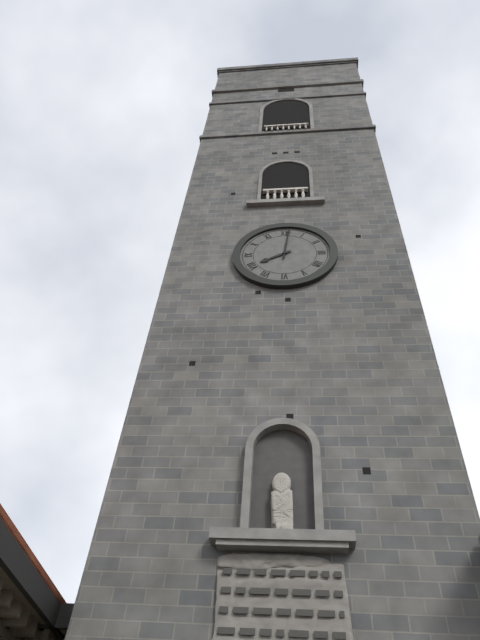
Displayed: 8h01
